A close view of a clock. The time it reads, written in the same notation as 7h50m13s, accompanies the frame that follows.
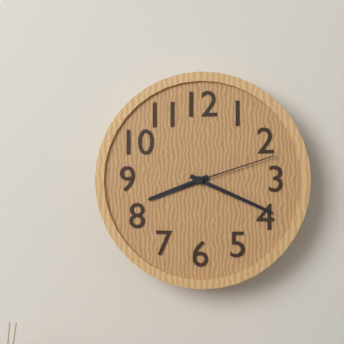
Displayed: 8h19m12s
